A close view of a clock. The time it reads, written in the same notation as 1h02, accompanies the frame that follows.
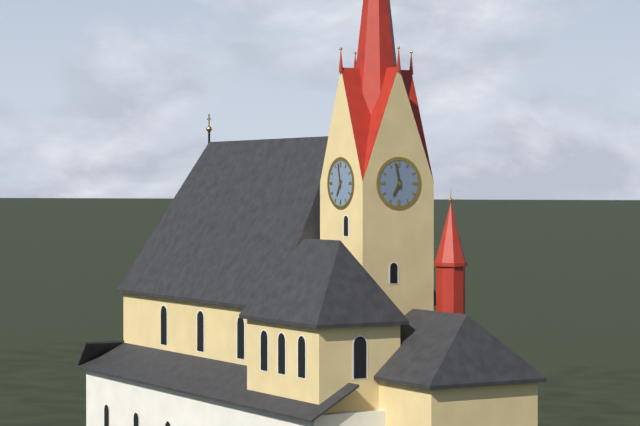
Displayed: 6h58
